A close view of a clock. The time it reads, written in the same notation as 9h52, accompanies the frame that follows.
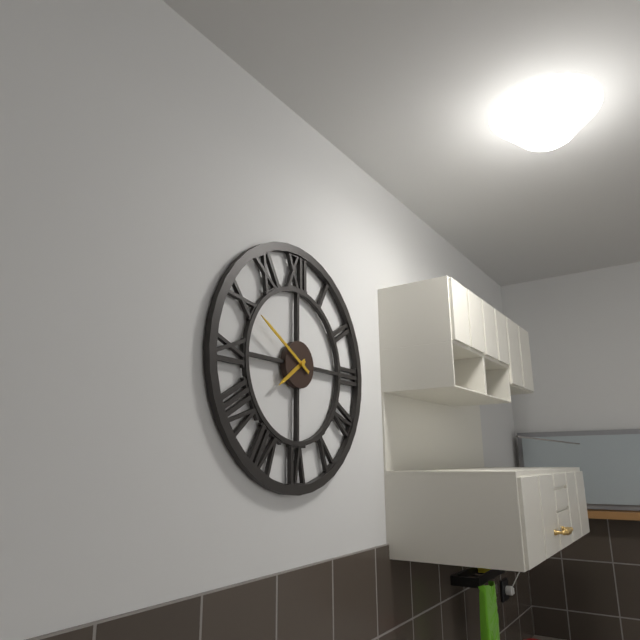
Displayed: 7h50
